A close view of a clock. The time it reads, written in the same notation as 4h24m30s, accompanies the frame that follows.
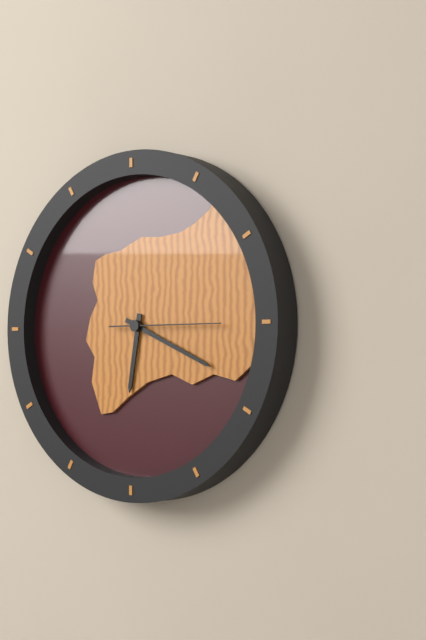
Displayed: 6h19m15s
